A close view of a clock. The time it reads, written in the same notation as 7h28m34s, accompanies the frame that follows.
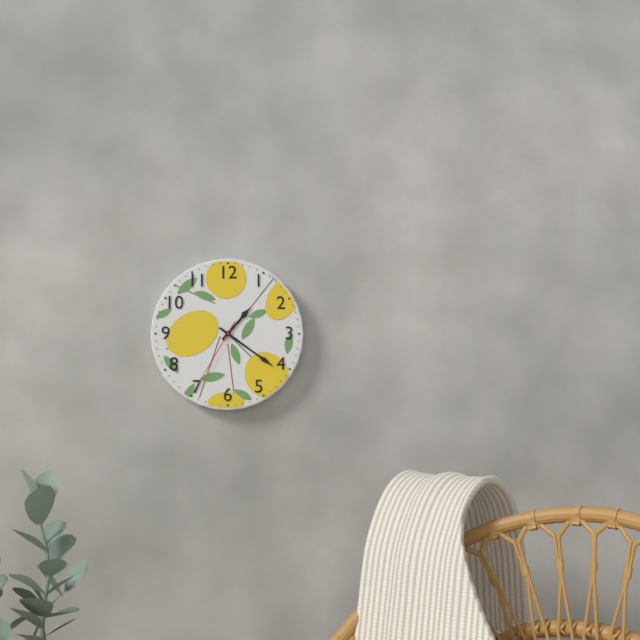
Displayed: 1h21m35s
